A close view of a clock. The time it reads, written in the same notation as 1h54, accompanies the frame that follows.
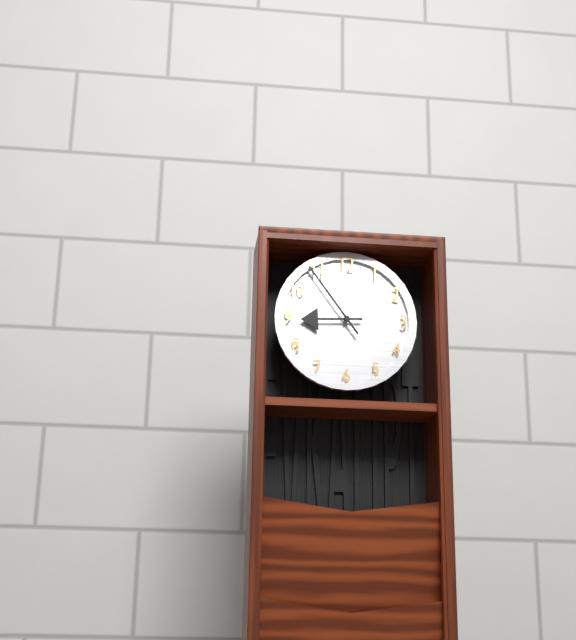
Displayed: 8h54
